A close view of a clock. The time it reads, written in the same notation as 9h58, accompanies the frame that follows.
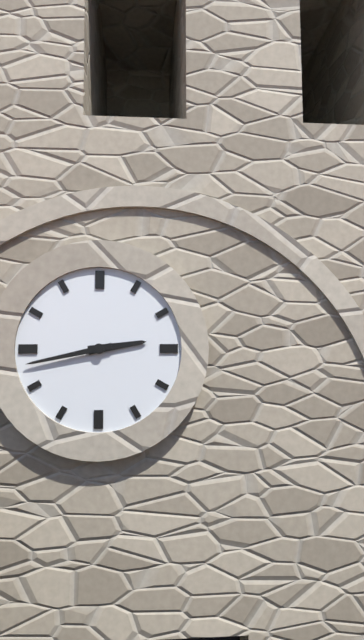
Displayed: 2h43
